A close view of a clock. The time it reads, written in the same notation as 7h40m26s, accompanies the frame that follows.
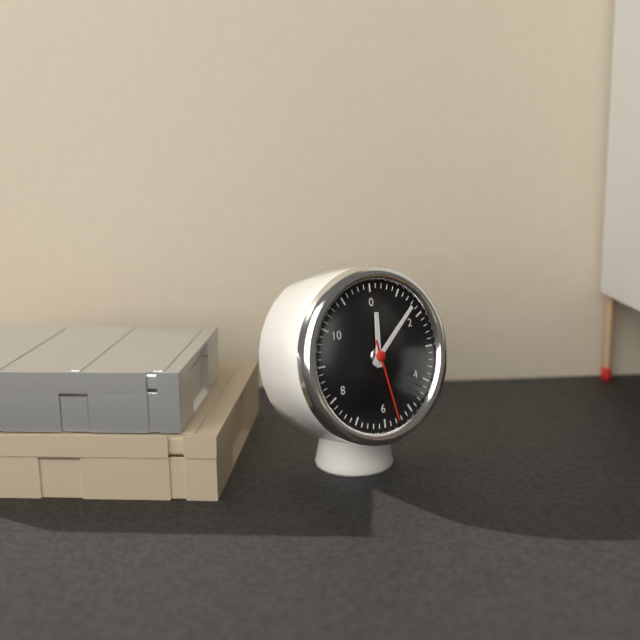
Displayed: 12h08m28s
